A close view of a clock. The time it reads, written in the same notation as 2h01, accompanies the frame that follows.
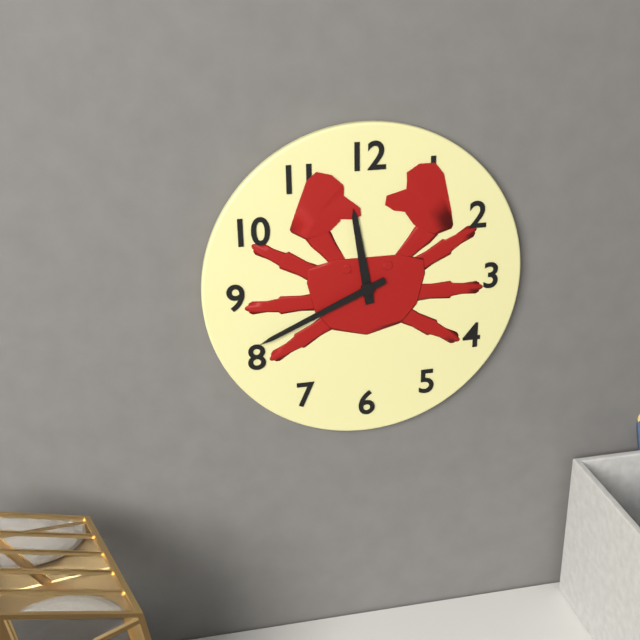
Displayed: 11h41
